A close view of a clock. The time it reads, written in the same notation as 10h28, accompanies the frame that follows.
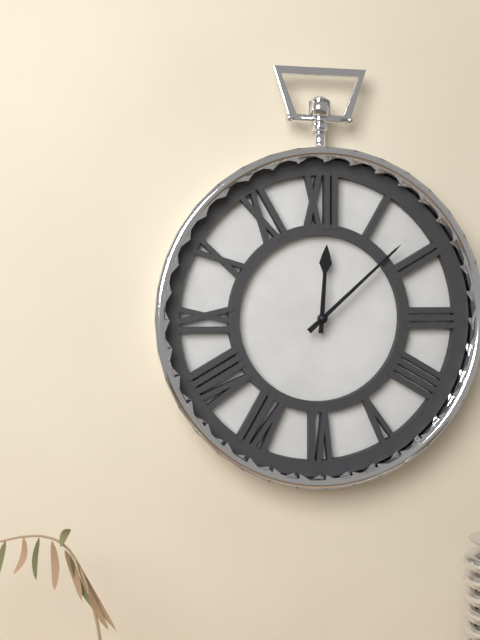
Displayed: 12h08
